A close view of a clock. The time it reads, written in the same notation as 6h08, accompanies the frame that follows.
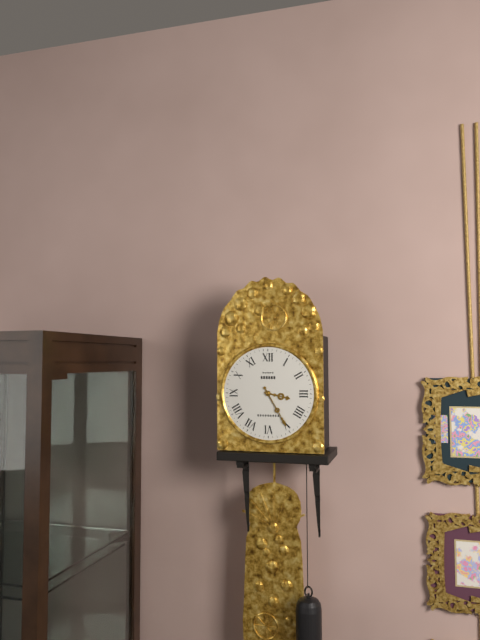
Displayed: 3h25
